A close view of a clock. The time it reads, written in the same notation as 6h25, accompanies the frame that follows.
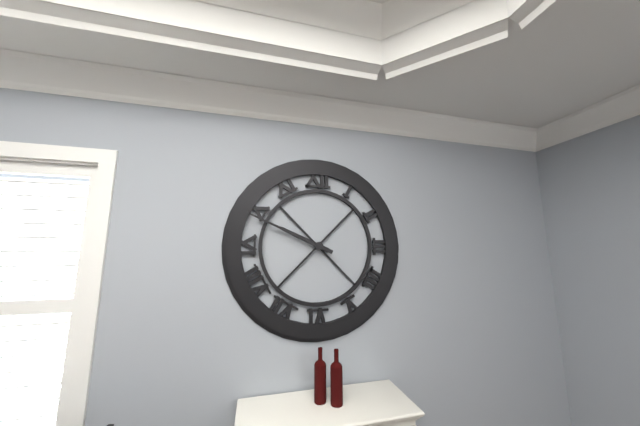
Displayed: 9h49
